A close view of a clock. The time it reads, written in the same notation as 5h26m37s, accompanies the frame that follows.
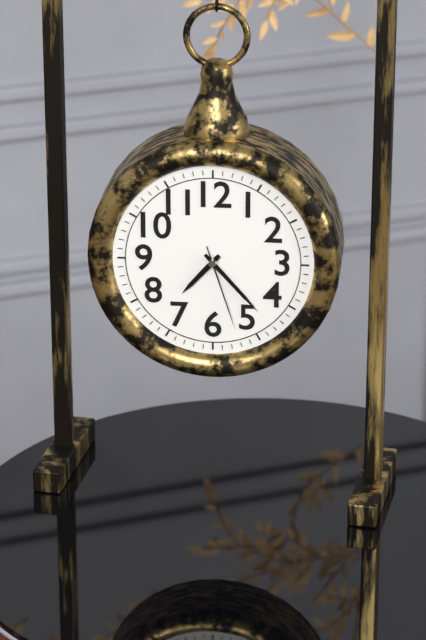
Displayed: 7h23m27s
